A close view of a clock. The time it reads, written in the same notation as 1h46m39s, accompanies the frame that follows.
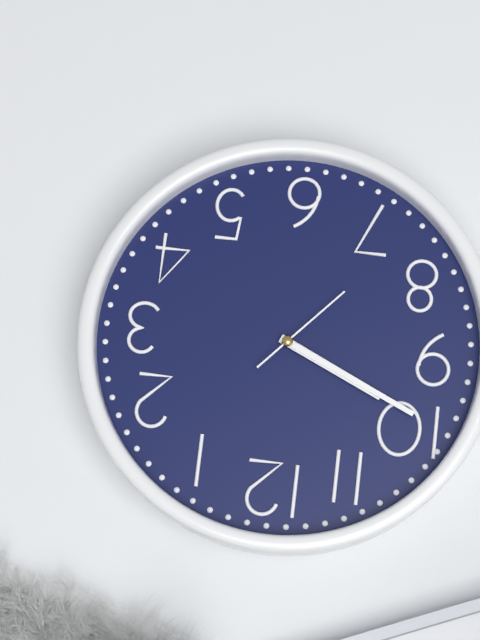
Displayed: 9h49m37s
